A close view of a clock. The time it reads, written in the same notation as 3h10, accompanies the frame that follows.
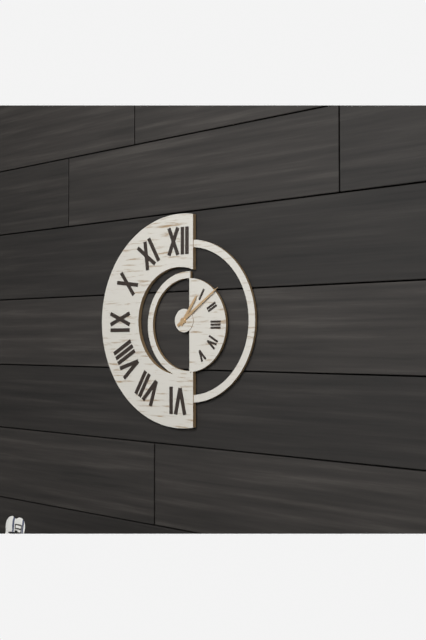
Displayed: 1h09
